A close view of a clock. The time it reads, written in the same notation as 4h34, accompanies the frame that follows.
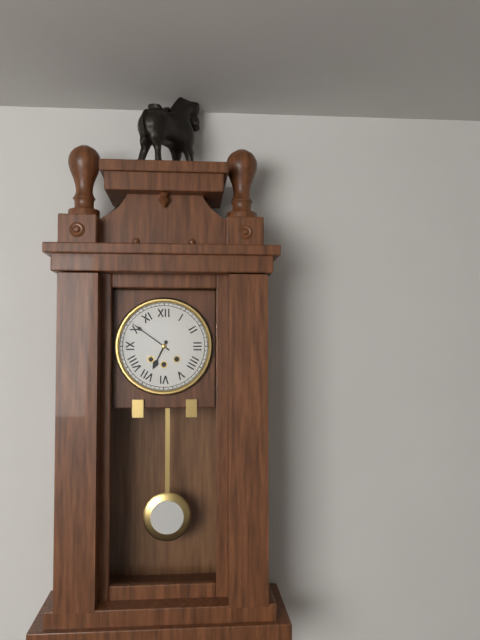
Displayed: 6h51
